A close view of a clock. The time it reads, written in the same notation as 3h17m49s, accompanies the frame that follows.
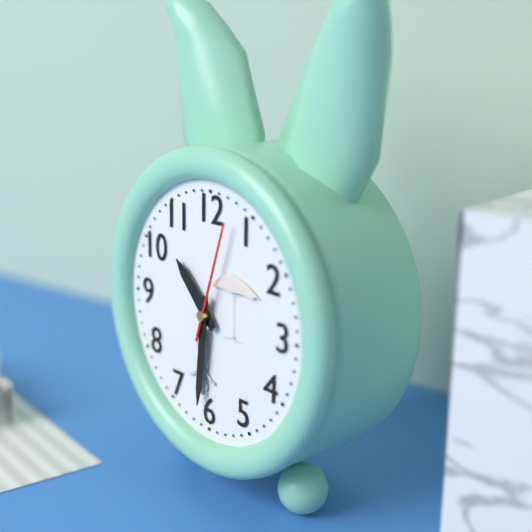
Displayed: 10h31m03s
